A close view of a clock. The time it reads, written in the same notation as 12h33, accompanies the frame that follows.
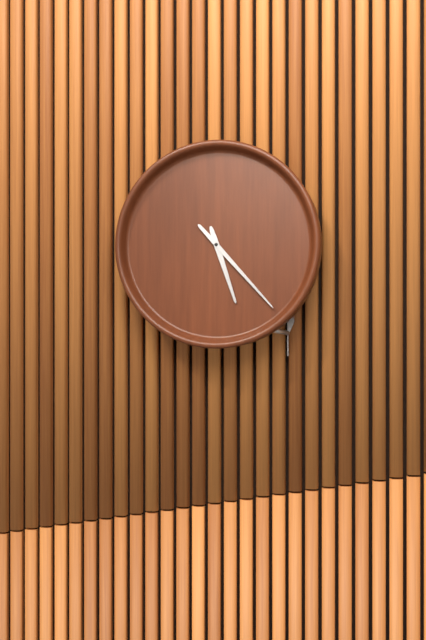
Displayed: 5h23
